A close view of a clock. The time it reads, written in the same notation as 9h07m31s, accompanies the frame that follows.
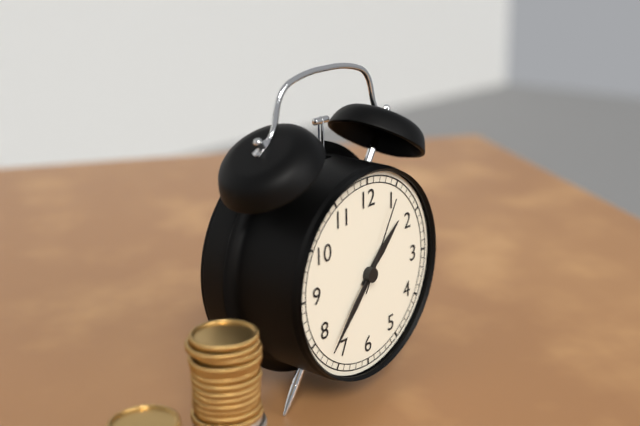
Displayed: 1h37m05s
